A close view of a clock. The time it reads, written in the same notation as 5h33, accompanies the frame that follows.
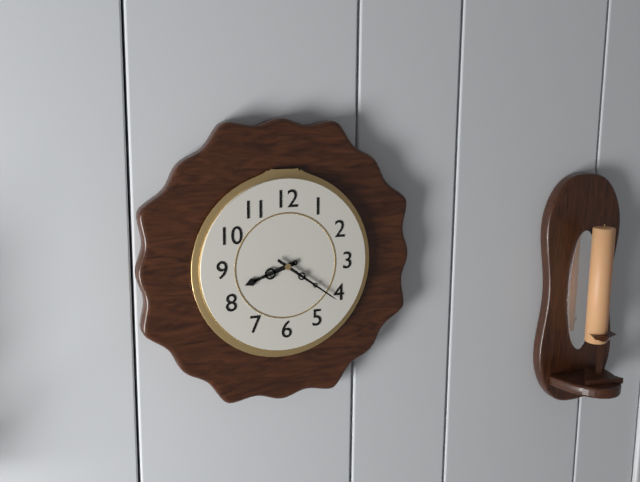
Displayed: 8h21
